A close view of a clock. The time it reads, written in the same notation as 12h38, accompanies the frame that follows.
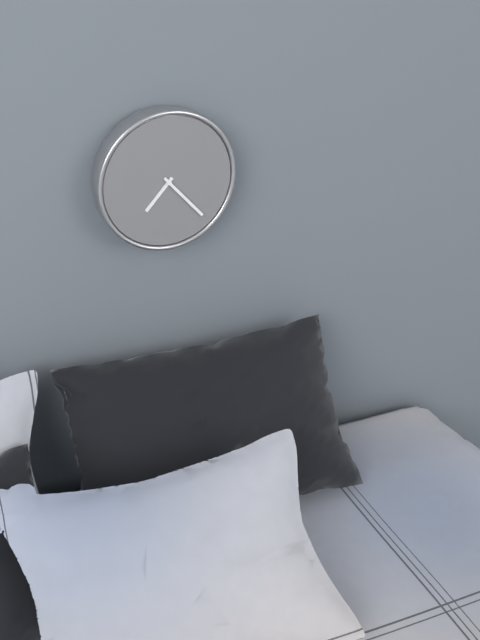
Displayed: 7h23
